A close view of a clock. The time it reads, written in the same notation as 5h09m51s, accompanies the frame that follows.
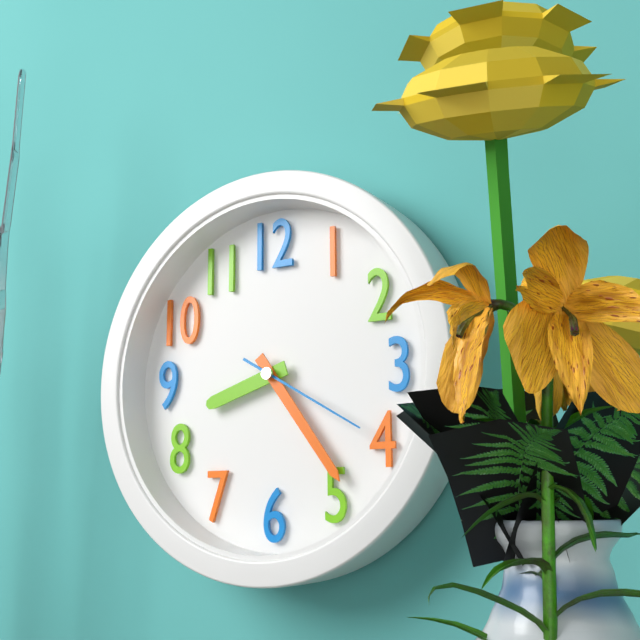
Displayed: 8h24m20s
